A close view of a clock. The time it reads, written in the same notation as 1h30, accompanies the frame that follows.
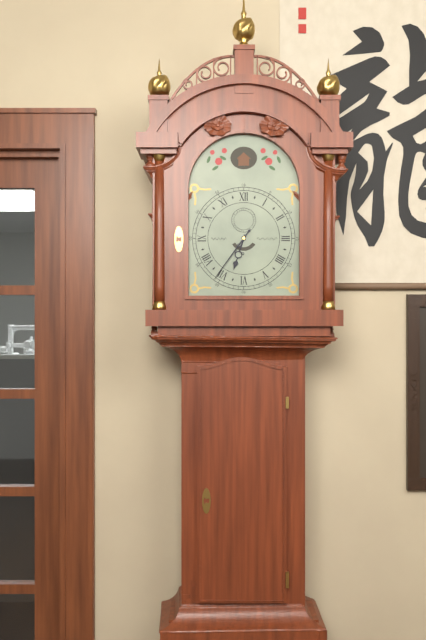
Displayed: 6h36
